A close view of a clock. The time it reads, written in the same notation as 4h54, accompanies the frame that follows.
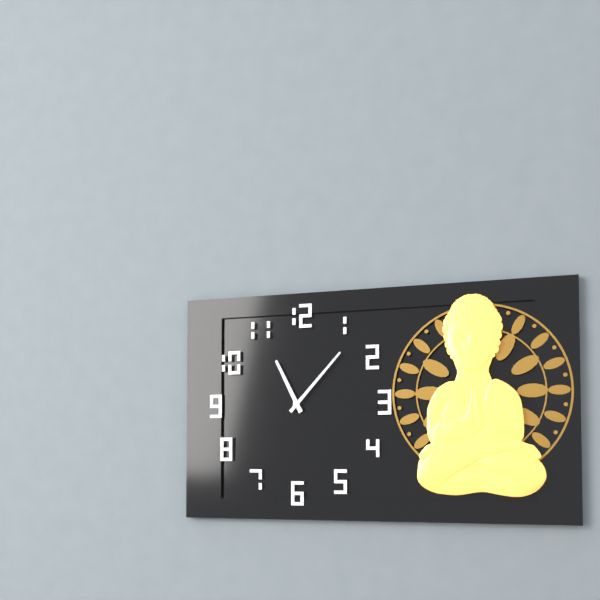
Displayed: 11h07
